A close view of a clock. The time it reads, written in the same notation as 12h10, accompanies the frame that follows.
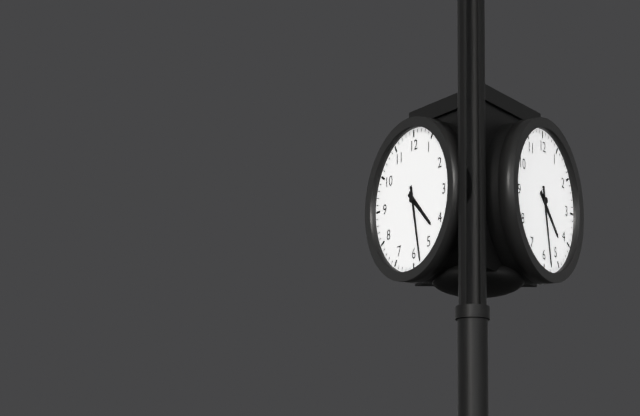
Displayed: 4h28
